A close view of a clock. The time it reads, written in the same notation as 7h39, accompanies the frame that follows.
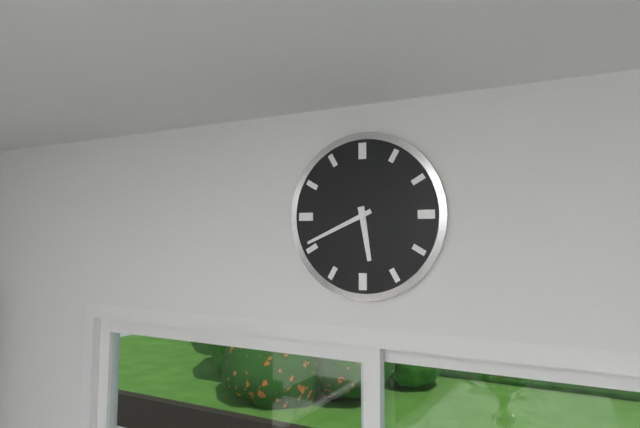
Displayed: 5h41
